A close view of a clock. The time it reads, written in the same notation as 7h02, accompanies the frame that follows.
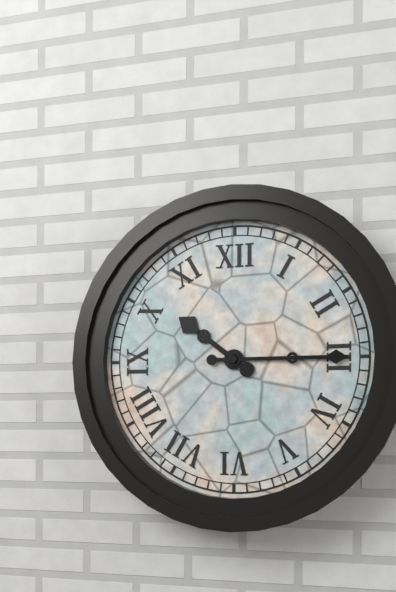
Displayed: 10h15
